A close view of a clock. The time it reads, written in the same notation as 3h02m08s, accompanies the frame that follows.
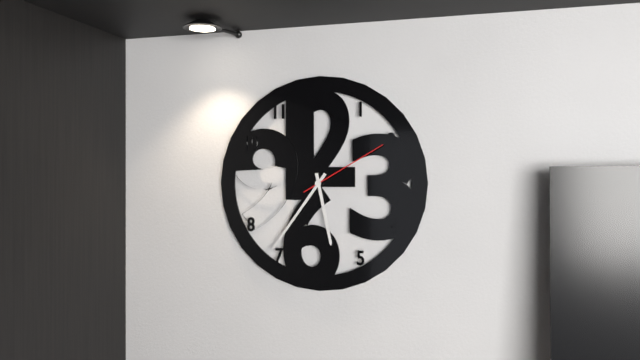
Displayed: 5h36m10s
